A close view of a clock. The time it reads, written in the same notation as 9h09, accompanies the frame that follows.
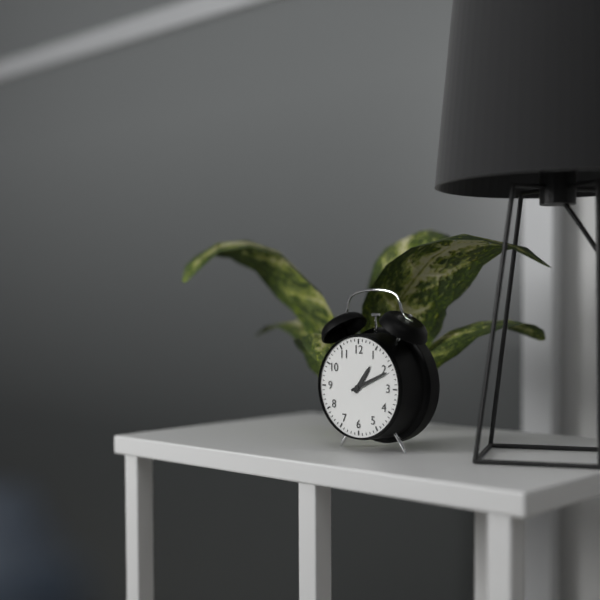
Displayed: 1h11
